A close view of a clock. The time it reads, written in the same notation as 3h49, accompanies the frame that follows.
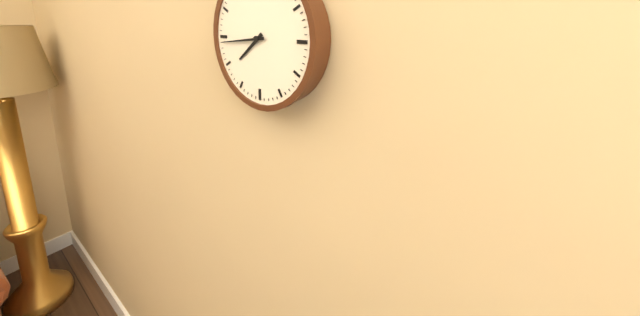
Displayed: 7h44
